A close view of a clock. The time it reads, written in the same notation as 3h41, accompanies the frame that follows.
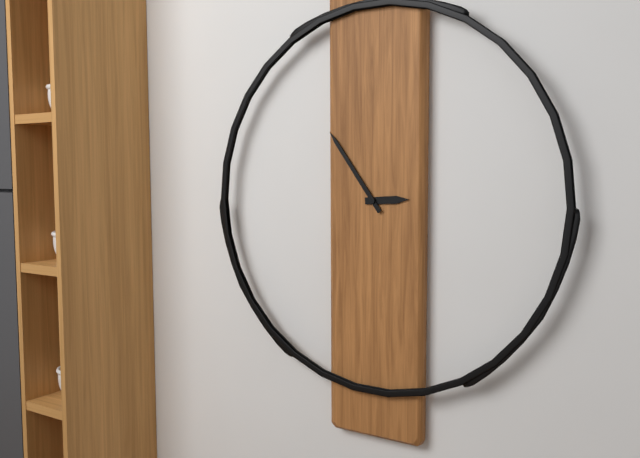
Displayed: 2h54
